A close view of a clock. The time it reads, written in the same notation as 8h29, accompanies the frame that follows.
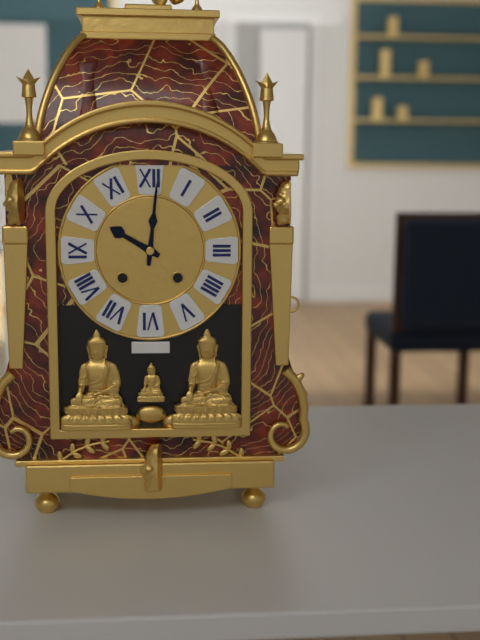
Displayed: 10h01
